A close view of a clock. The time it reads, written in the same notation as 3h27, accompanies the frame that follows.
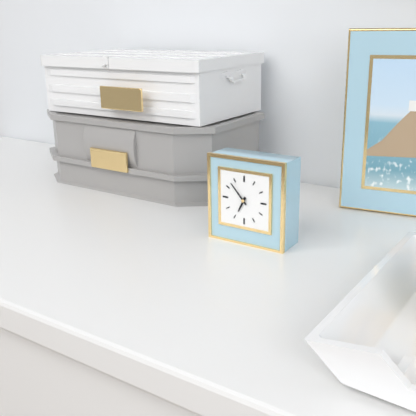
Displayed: 6h53
